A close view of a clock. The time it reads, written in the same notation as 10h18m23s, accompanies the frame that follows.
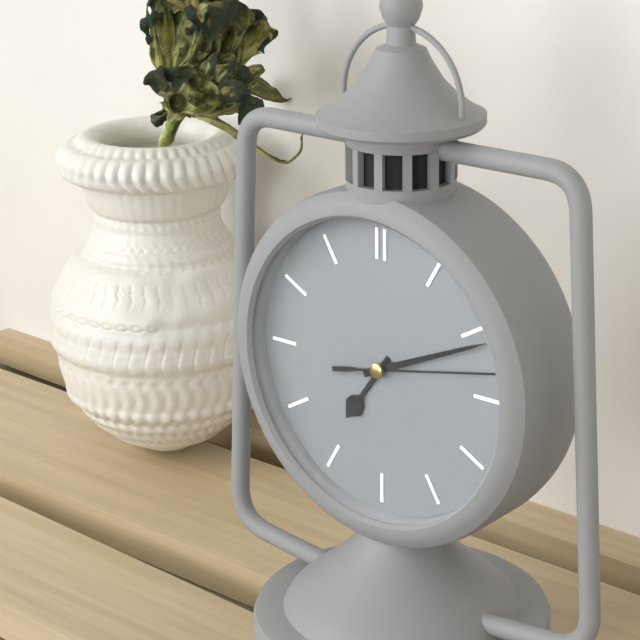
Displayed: 7h11m13s
